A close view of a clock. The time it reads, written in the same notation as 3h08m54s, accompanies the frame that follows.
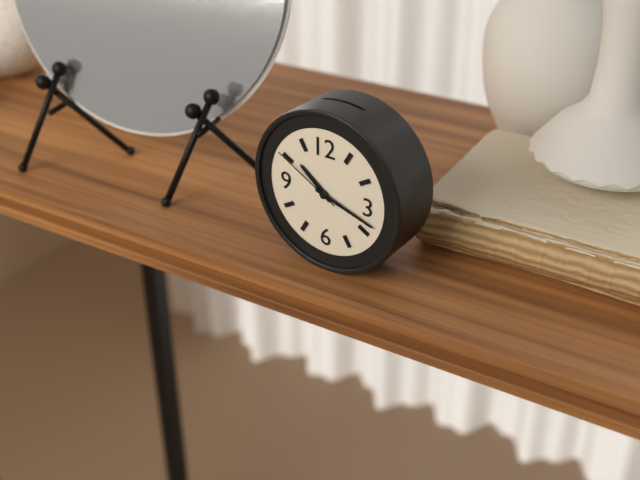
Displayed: 10h18m50s
